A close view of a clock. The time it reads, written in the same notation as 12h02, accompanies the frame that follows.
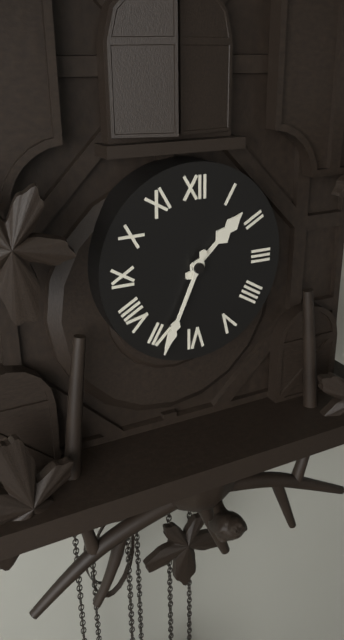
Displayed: 1h34
